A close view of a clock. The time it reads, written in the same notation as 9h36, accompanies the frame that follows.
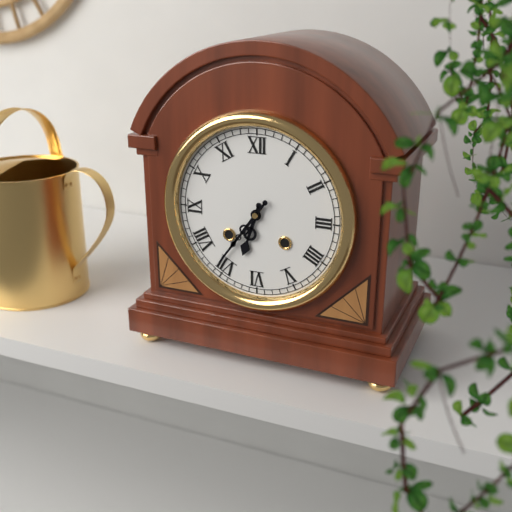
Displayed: 6h36
